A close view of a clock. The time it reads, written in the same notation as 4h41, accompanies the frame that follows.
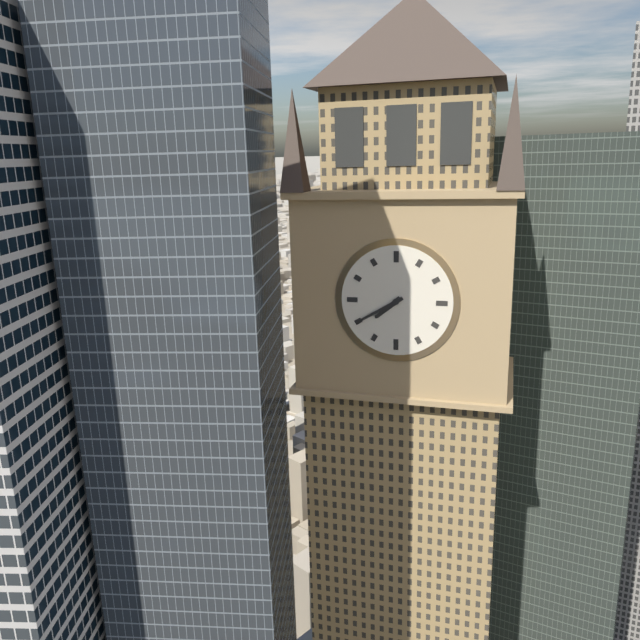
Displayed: 7h40
